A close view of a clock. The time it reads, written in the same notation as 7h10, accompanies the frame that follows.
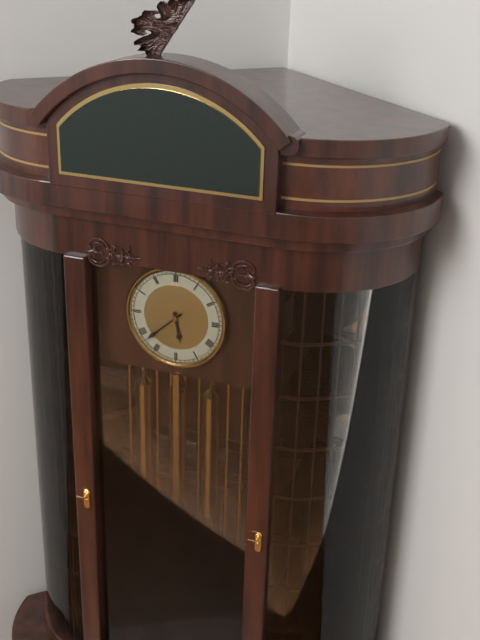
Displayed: 5h38
